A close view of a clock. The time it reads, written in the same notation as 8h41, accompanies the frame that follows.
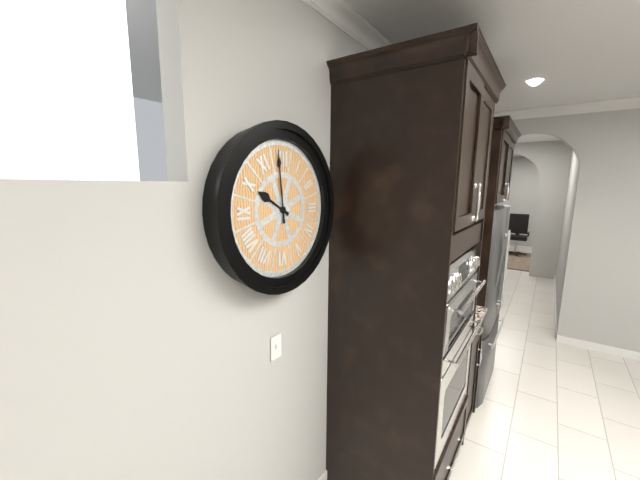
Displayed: 9h59
